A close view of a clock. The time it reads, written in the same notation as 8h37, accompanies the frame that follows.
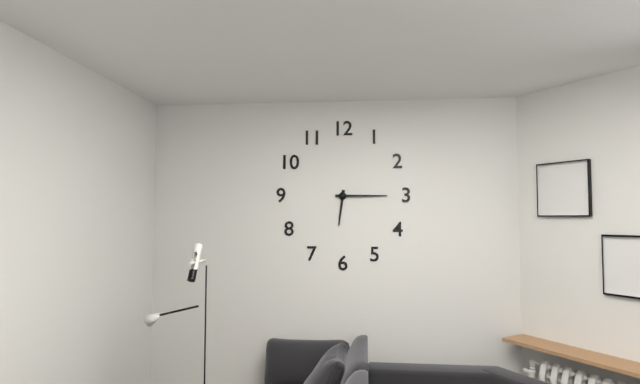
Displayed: 6h15
